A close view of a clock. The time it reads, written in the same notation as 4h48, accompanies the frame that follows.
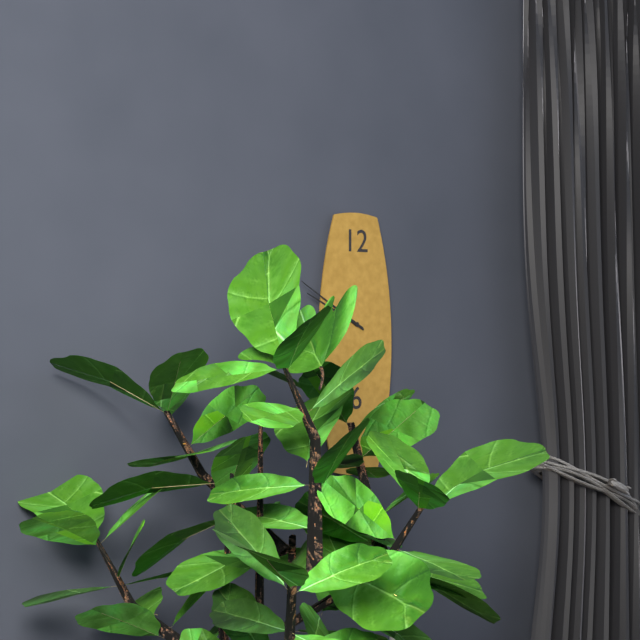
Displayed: 9h50
